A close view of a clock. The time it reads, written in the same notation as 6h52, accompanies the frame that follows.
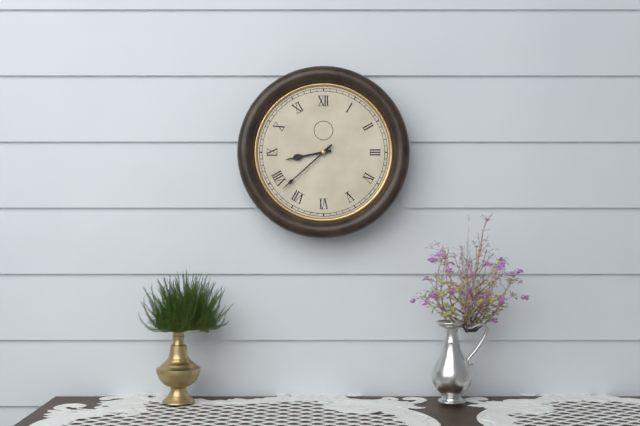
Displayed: 8h38
